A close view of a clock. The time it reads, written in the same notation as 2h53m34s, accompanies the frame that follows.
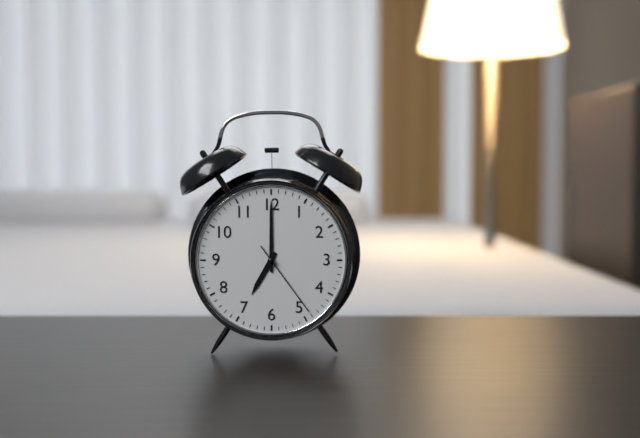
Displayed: 7h00m24s
